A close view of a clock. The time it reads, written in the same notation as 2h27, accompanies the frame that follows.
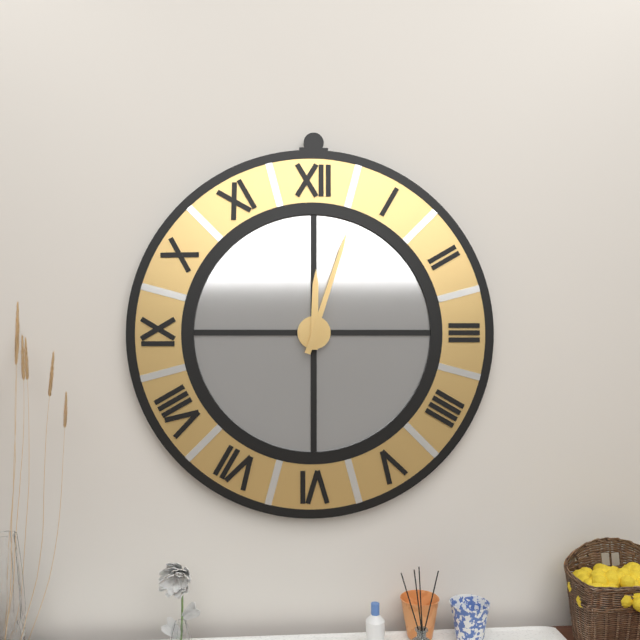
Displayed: 12h03
